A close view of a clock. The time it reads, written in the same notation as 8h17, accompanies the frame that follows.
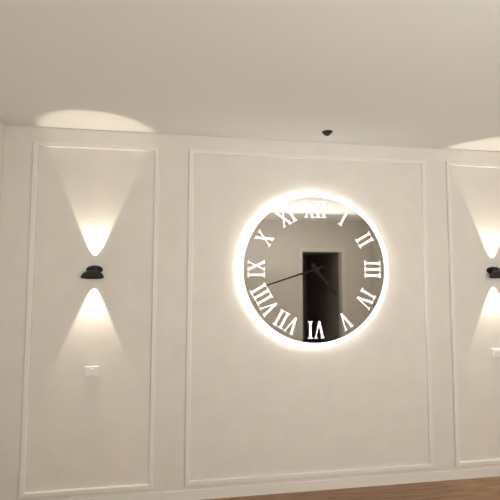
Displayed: 4h42
